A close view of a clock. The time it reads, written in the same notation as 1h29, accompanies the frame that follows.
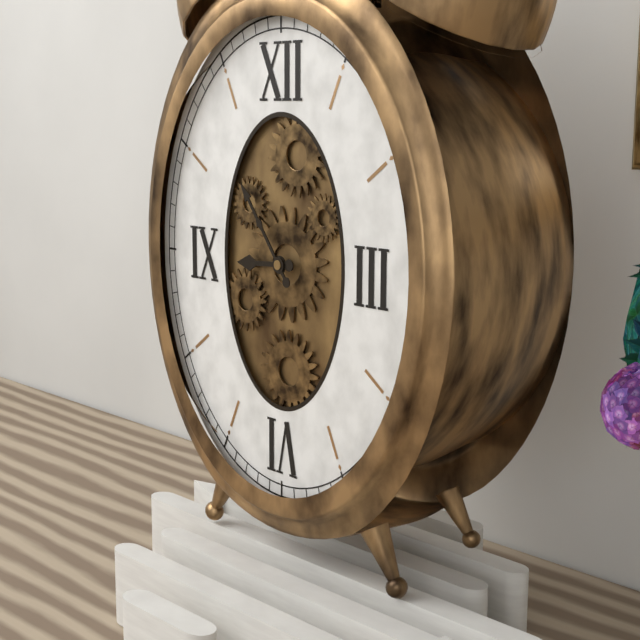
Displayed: 8h54
